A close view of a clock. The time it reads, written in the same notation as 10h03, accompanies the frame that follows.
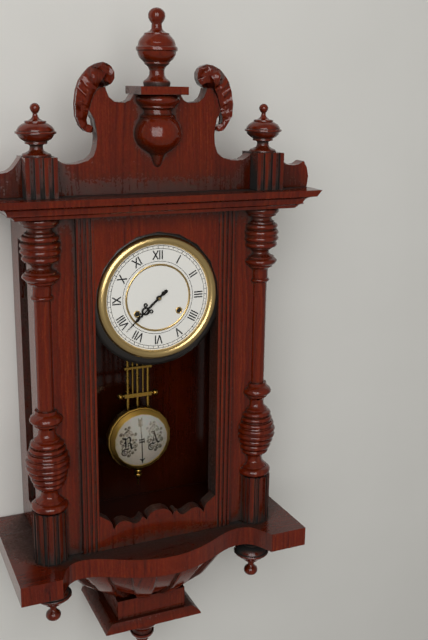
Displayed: 7h38
